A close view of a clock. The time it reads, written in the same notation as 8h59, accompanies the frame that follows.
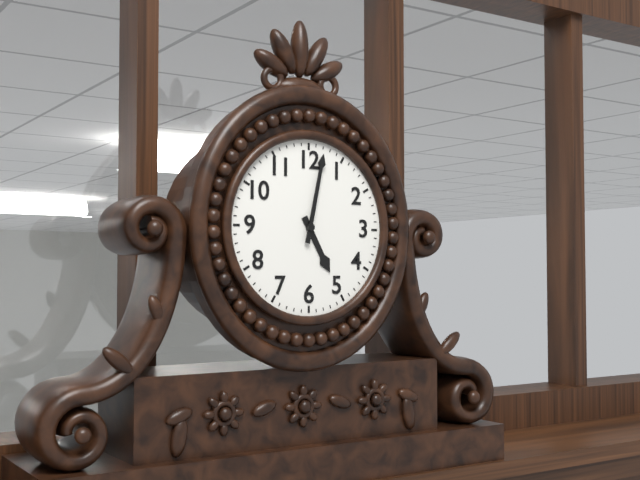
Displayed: 5h02
